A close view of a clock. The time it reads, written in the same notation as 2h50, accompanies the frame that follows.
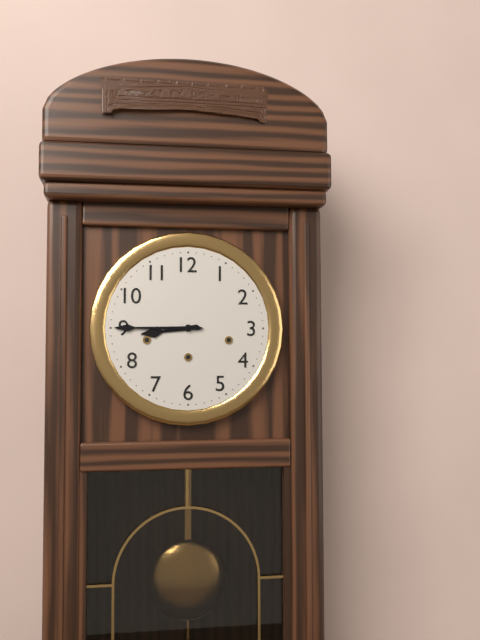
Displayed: 8h45
